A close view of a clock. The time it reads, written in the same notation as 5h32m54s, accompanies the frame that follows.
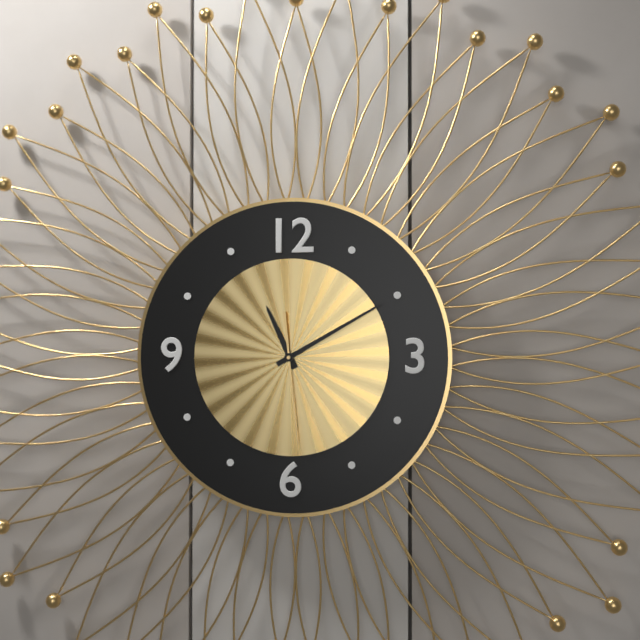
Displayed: 11h10m29s
